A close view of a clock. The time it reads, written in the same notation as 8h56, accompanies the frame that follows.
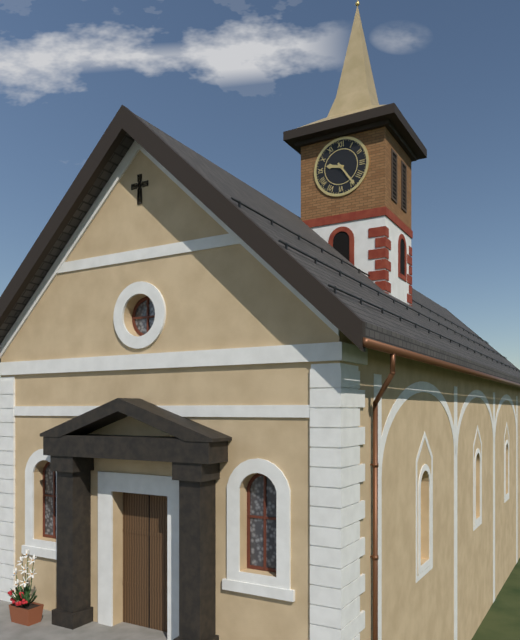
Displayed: 9h24
